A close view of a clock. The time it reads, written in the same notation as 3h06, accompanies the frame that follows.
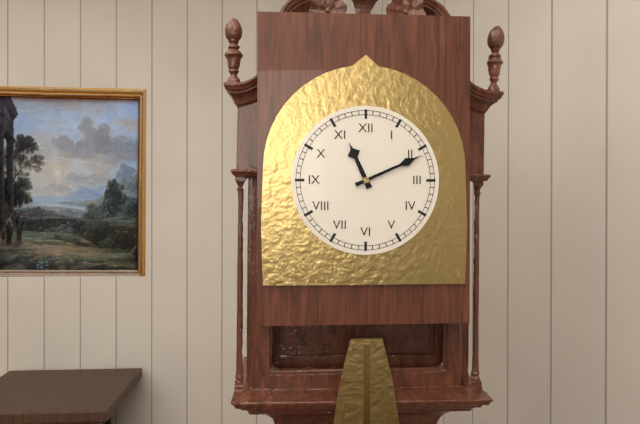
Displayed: 11h11
